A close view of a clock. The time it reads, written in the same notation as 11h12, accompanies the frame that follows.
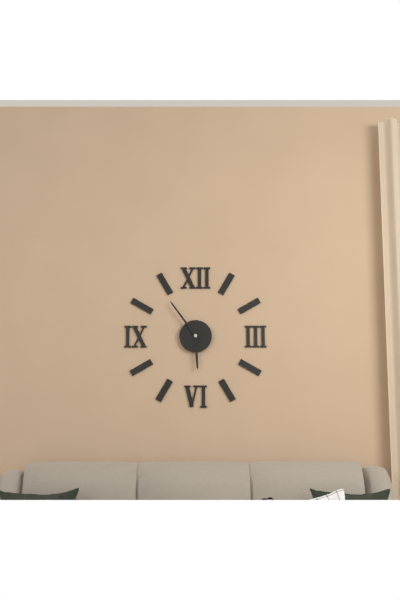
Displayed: 5h54
